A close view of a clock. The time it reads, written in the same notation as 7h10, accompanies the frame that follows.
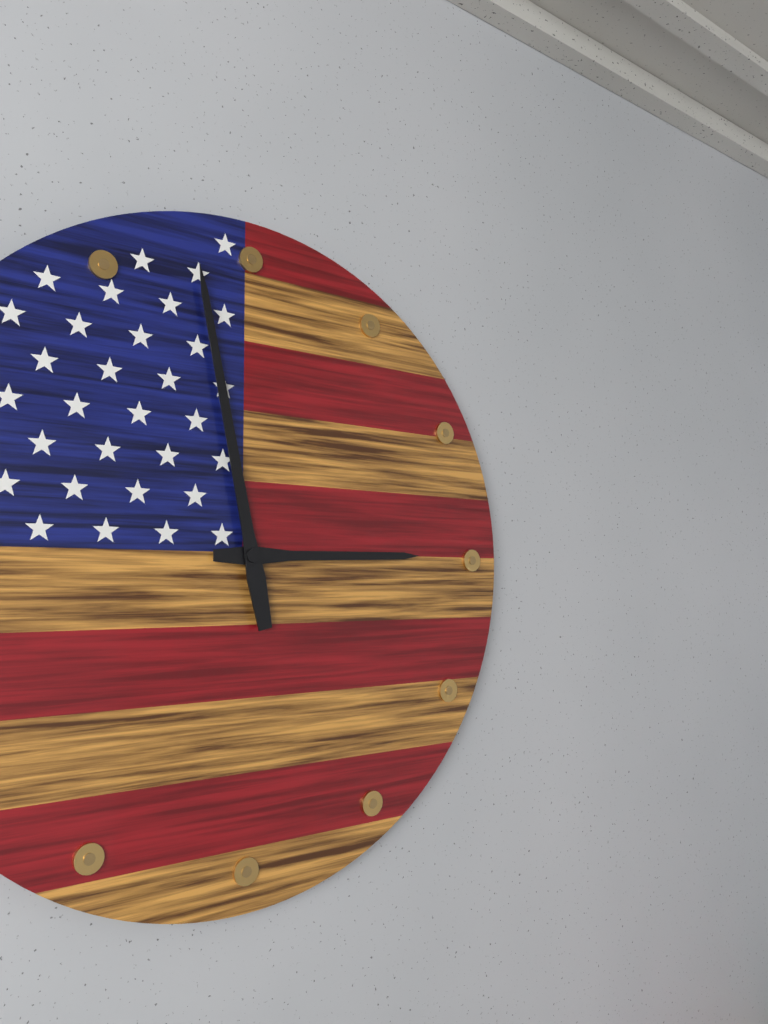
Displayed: 2h58
